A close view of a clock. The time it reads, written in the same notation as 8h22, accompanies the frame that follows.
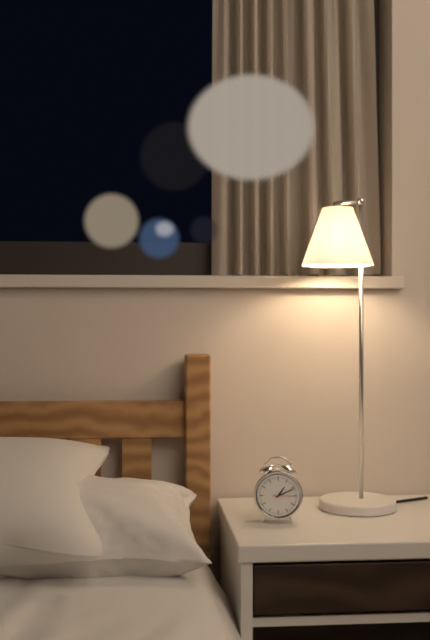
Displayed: 1h11
